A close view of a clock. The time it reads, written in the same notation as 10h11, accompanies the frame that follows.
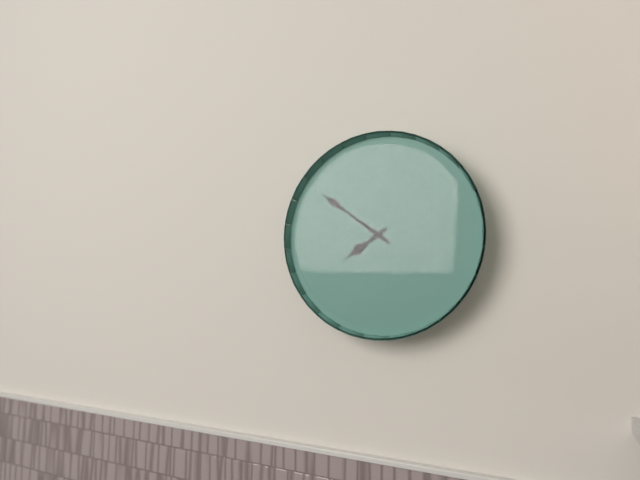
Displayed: 7h51
